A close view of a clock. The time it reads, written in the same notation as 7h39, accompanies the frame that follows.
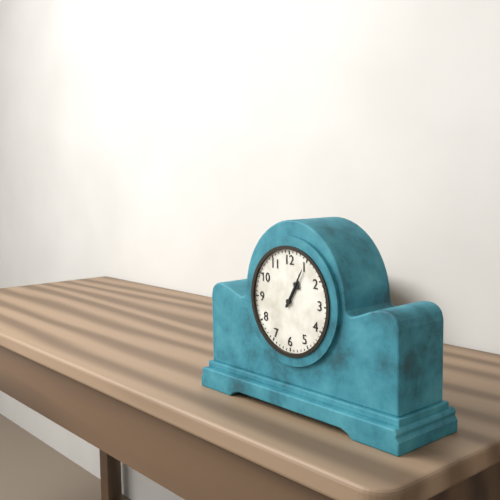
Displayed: 1h05
